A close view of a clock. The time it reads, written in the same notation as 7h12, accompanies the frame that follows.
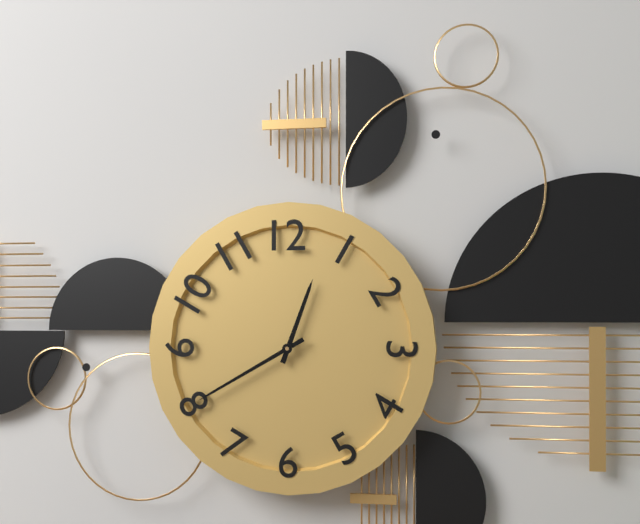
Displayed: 12h40
